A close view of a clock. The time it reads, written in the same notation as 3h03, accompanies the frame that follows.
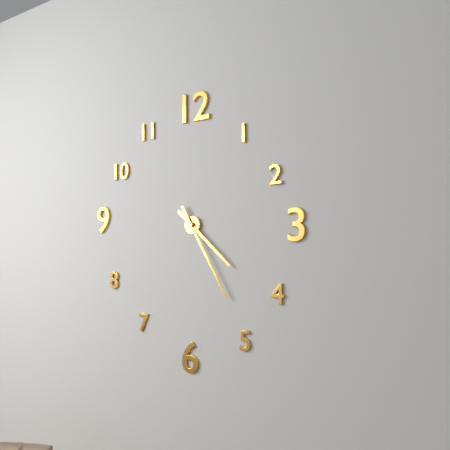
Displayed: 4h25
